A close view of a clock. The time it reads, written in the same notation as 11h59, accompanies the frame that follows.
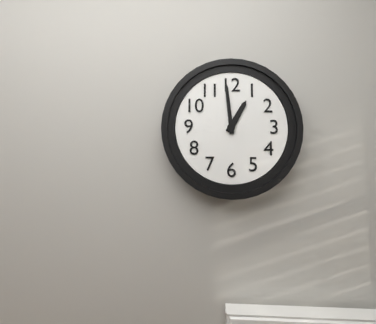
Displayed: 12h59
